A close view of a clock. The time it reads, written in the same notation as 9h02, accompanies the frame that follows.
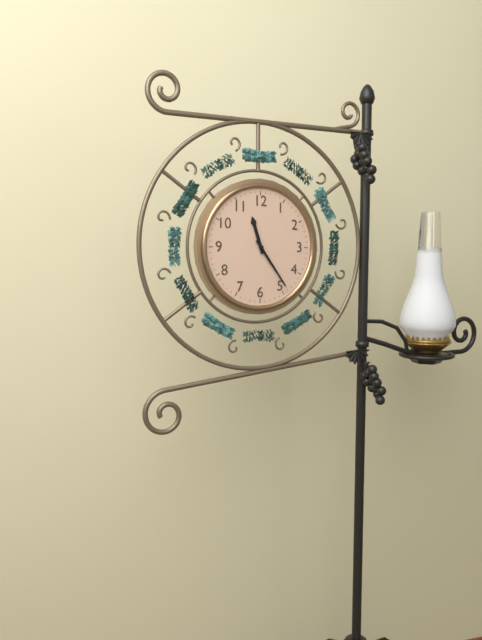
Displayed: 11h24
